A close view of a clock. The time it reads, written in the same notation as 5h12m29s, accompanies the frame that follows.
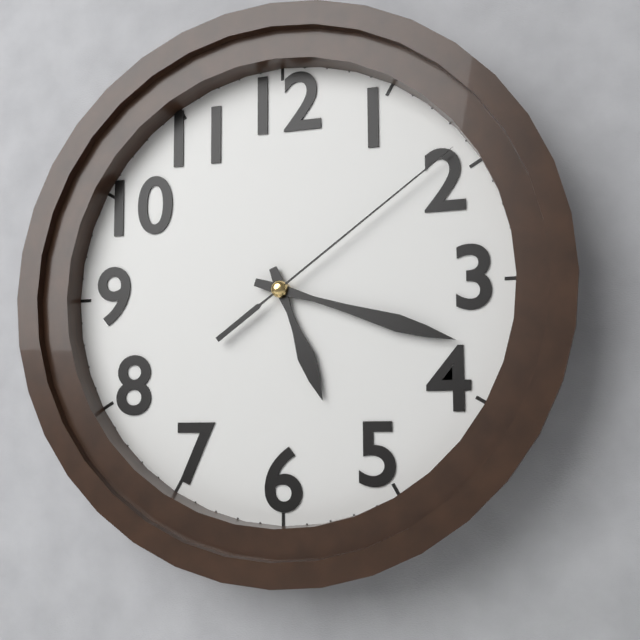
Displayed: 5h18m09s
